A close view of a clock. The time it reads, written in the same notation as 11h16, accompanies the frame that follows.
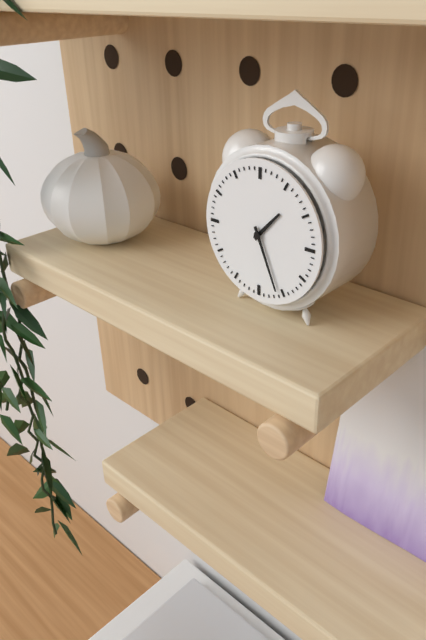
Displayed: 1h26
